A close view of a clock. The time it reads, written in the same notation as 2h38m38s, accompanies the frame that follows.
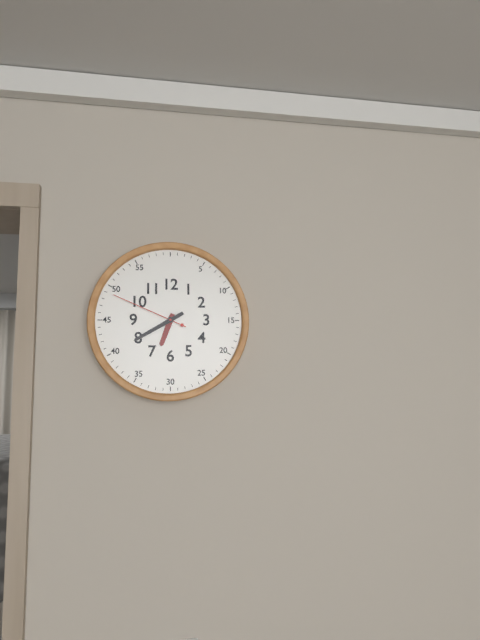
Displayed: 6h40m49s
